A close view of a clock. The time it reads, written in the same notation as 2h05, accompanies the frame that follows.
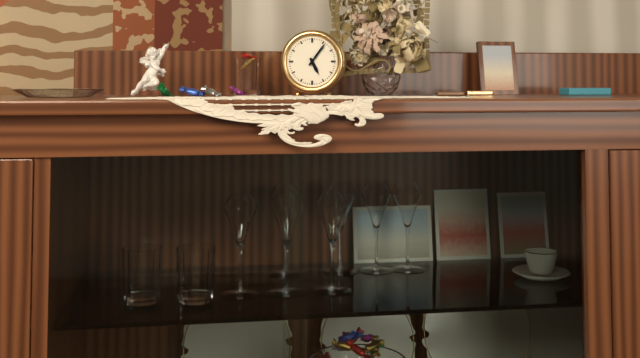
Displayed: 5h06
